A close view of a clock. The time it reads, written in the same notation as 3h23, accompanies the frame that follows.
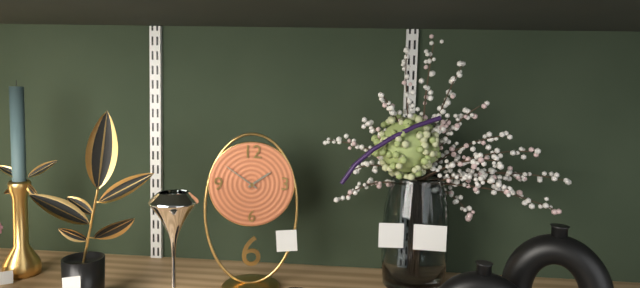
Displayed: 1h51
